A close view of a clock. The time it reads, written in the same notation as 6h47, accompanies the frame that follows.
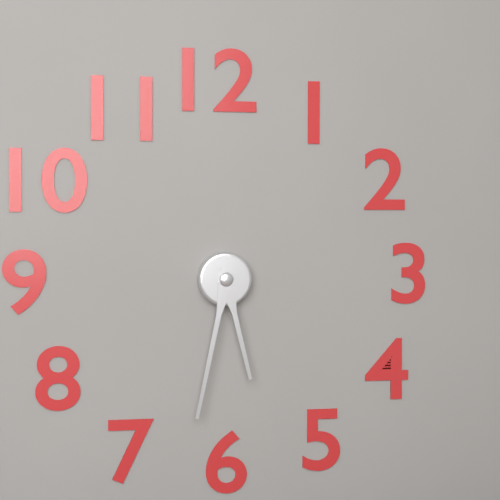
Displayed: 5h32
